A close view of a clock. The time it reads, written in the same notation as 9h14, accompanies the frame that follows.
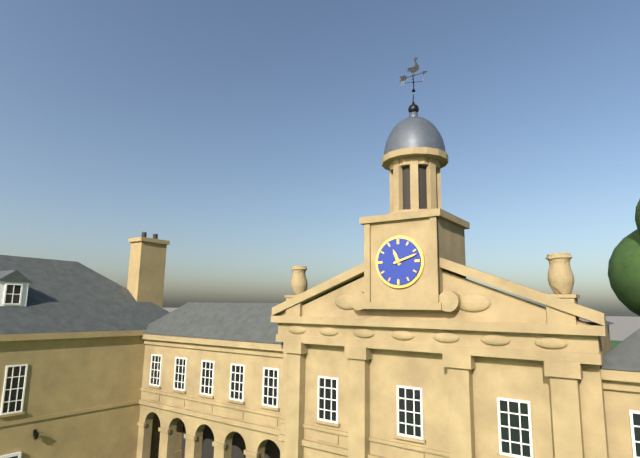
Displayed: 11h12
